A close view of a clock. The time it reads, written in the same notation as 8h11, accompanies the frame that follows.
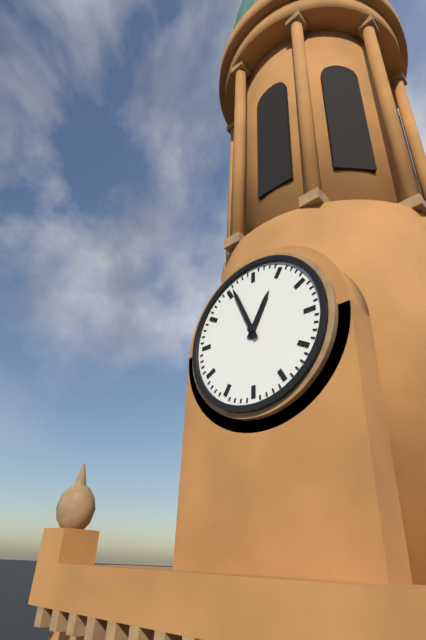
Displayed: 12h56
